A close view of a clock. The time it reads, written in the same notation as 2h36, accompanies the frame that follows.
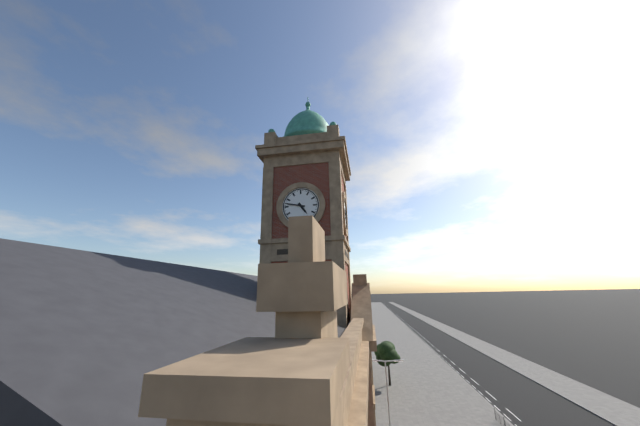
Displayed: 4h47
